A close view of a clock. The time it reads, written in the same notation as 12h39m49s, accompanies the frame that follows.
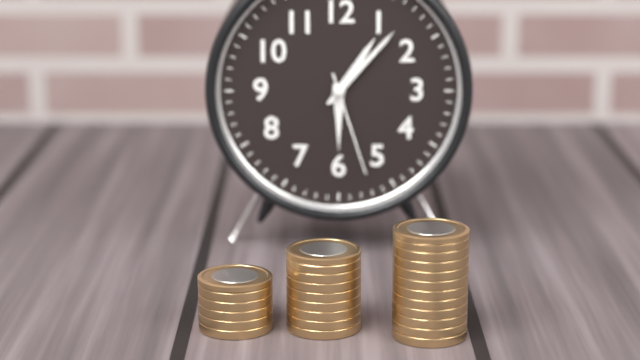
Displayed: 1h07m27s
